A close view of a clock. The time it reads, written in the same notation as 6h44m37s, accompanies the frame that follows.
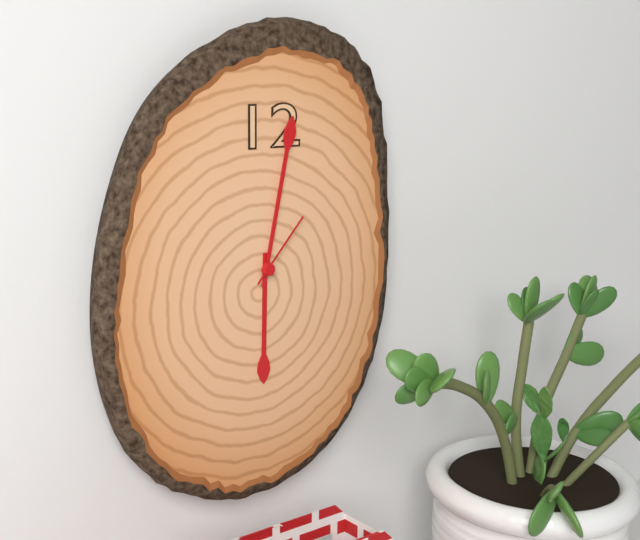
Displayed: 6h02m07s
